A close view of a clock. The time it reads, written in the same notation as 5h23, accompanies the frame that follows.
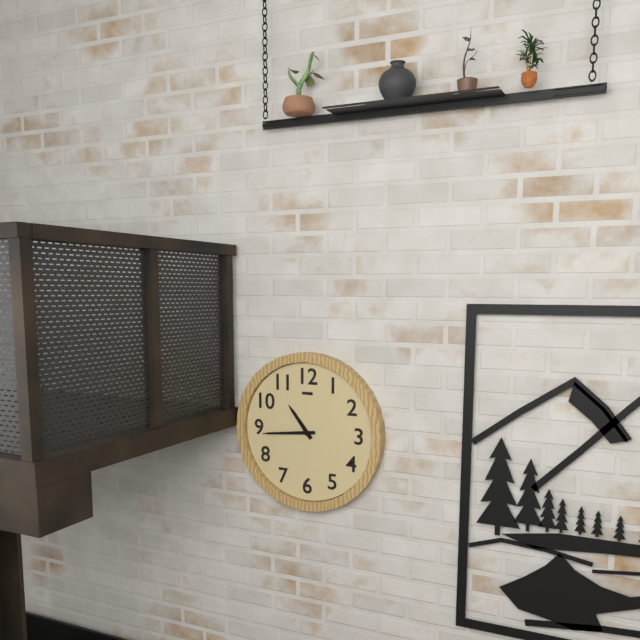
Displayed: 10h44
